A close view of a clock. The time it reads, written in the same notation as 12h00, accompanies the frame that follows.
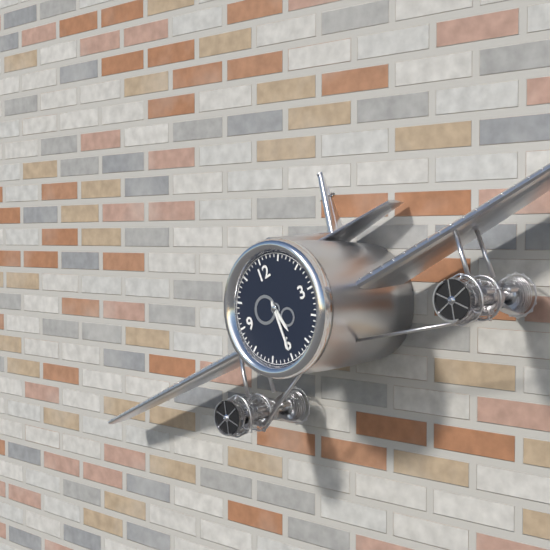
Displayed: 5h30
